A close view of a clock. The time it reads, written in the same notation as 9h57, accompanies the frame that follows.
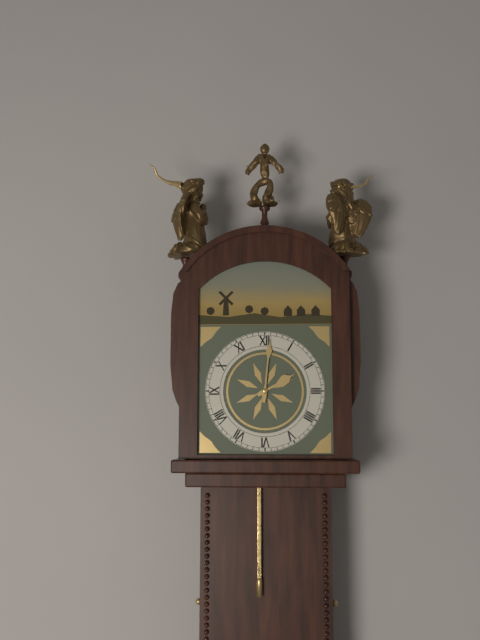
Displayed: 2h01
